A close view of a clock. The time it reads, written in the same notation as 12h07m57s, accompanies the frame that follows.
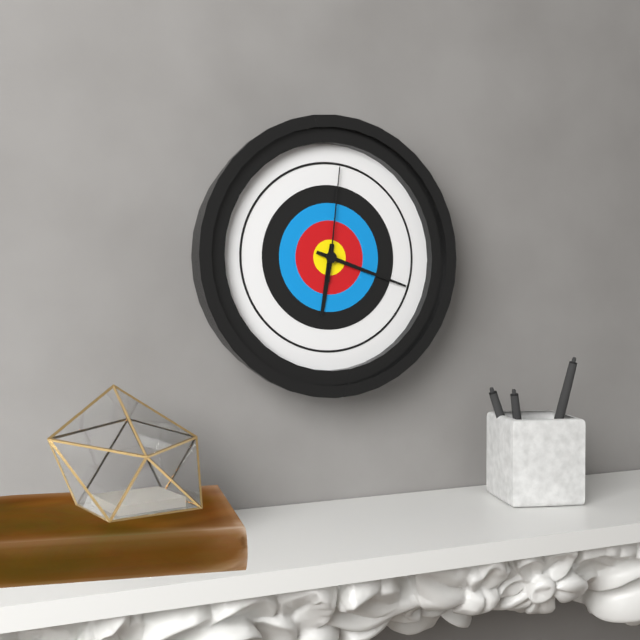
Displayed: 6h18m01s
